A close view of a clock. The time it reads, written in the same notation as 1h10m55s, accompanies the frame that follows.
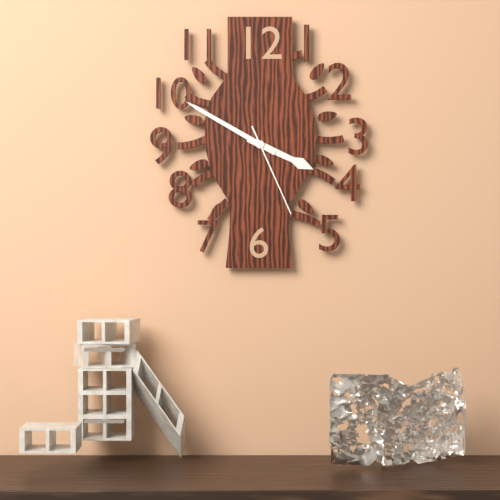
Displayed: 3h50m26s
